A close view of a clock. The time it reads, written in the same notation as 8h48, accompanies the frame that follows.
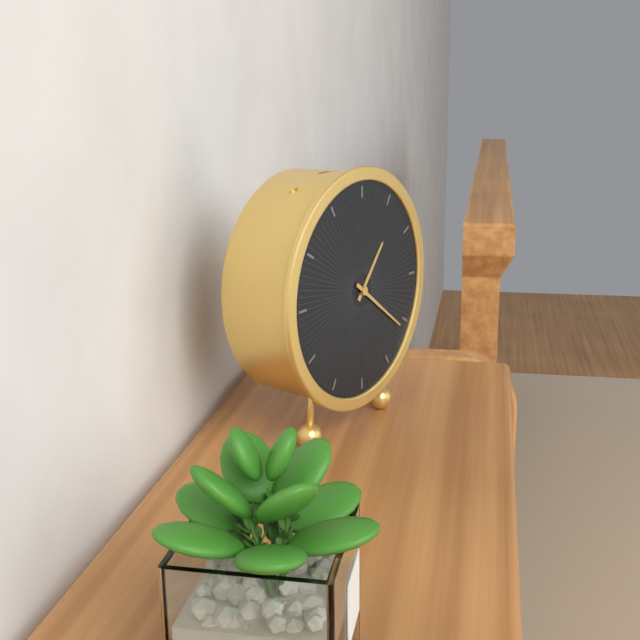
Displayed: 1h21
